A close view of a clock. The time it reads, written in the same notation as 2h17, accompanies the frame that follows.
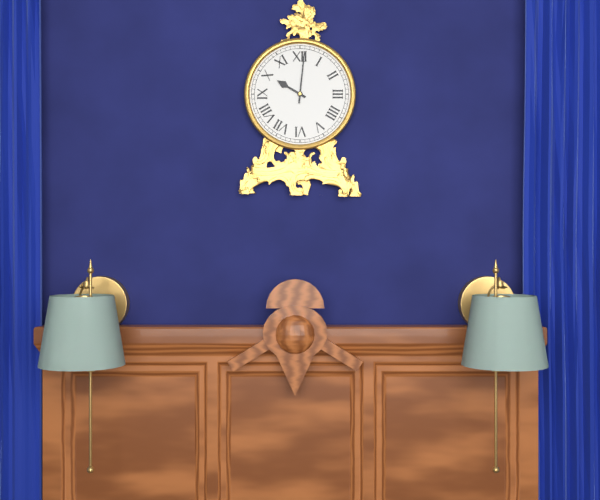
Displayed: 10h01
